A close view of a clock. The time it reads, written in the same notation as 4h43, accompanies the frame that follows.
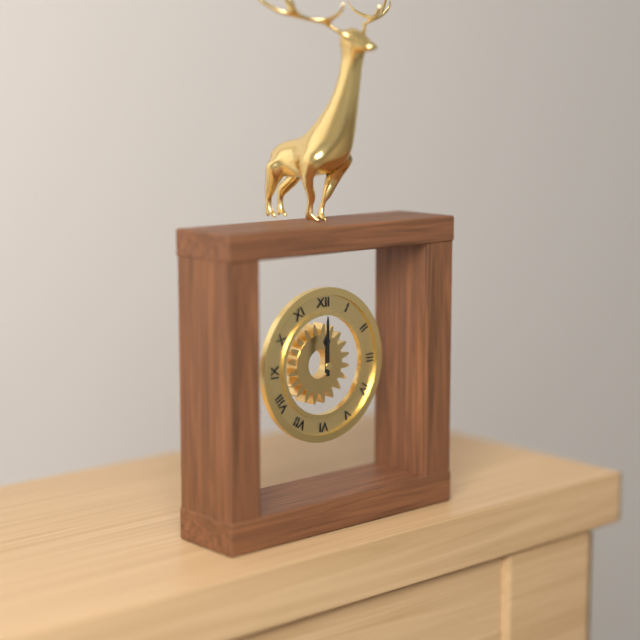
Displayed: 12h00
